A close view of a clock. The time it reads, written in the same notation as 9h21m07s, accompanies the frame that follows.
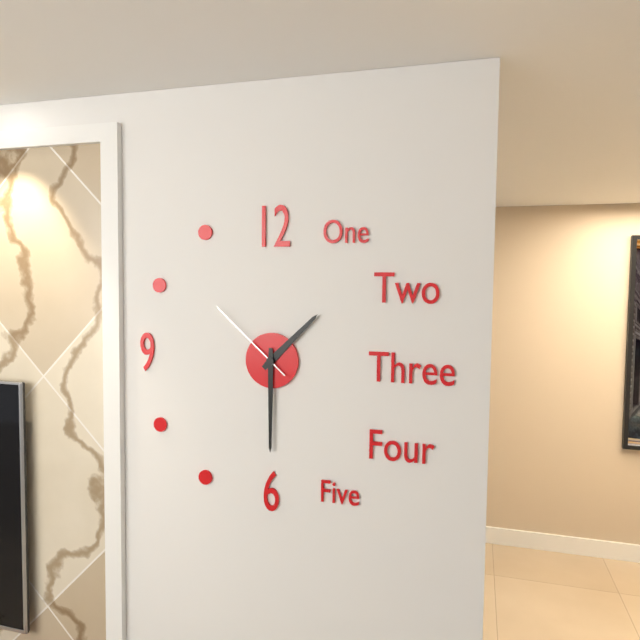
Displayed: 1h30m52s
